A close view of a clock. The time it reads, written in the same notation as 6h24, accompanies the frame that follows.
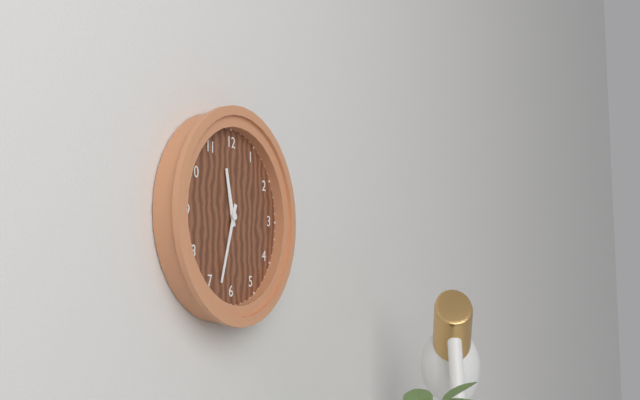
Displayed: 11h33
